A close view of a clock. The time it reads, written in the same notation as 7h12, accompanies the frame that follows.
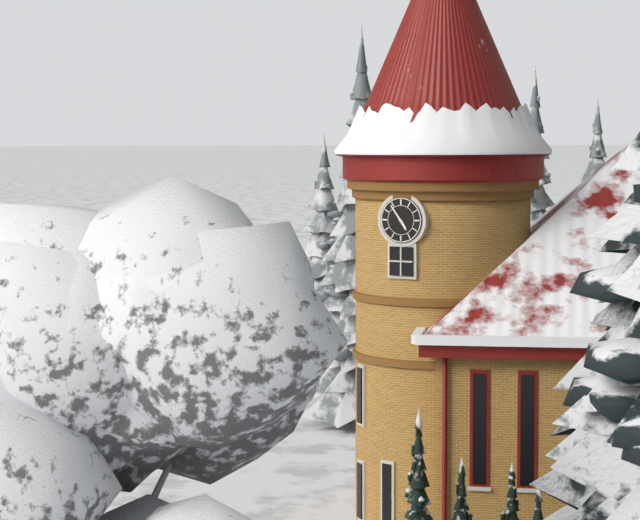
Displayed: 4h54
